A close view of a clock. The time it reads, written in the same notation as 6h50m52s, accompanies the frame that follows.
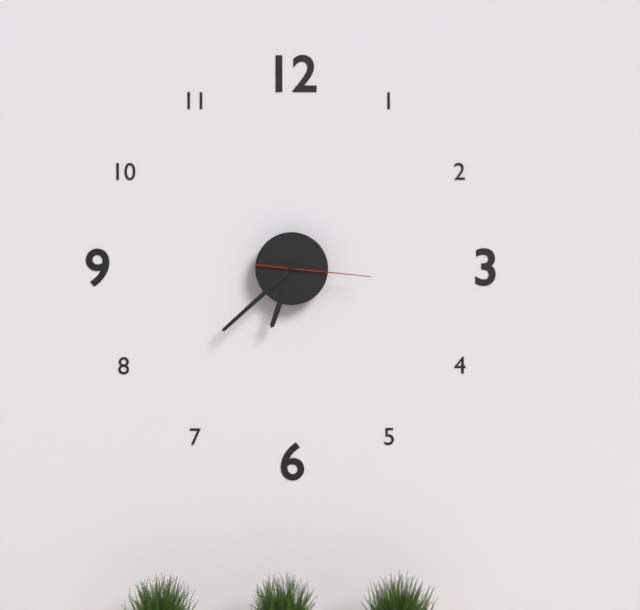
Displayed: 6h38m16s
